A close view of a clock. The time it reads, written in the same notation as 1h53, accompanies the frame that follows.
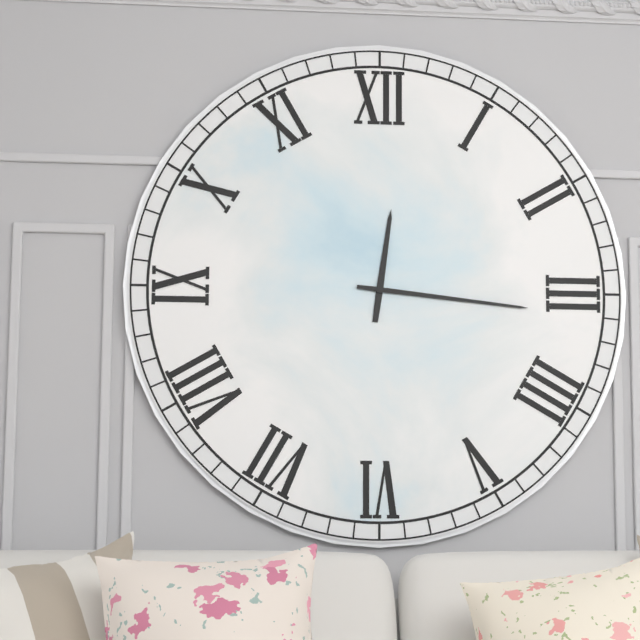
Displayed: 12h16
